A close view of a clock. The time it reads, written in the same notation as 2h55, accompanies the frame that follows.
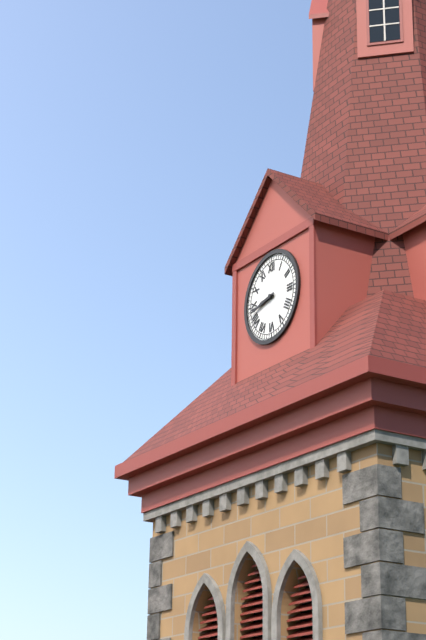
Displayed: 8h43
